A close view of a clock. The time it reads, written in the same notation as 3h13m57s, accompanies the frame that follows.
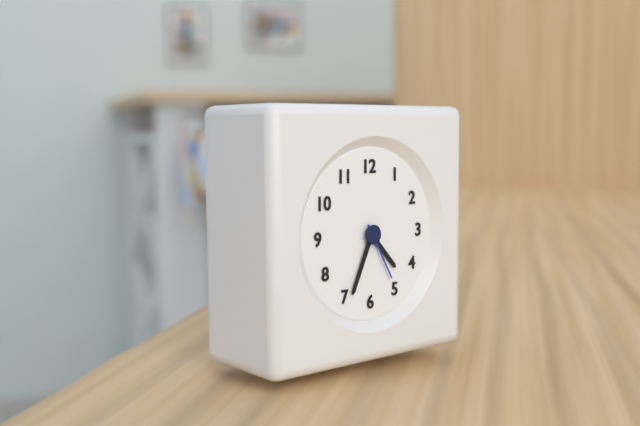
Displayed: 4h34m25s
